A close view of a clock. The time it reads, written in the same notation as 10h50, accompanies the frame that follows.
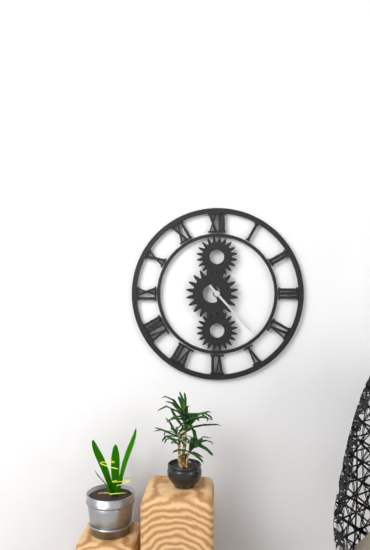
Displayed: 11h23
